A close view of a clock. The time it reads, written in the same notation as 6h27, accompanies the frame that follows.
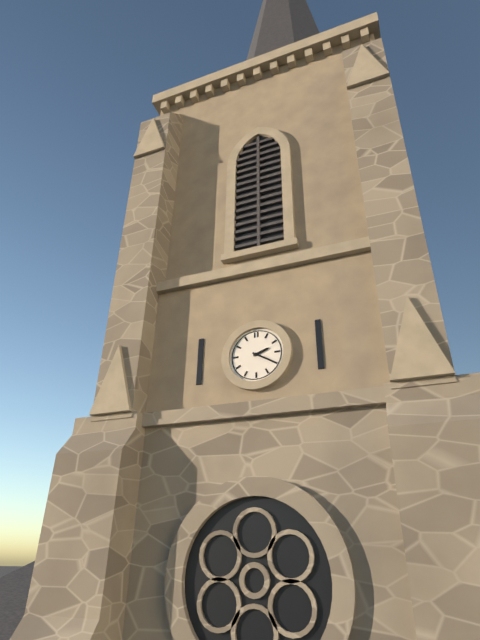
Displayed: 2h20
